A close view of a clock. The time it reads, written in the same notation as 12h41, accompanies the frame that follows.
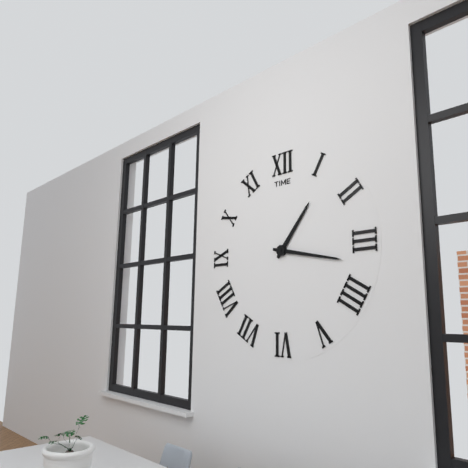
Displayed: 1h17
